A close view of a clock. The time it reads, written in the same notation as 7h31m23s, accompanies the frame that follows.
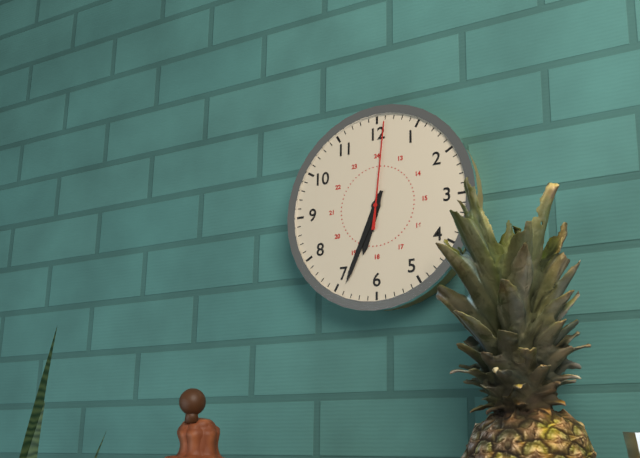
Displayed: 6h34m01s
